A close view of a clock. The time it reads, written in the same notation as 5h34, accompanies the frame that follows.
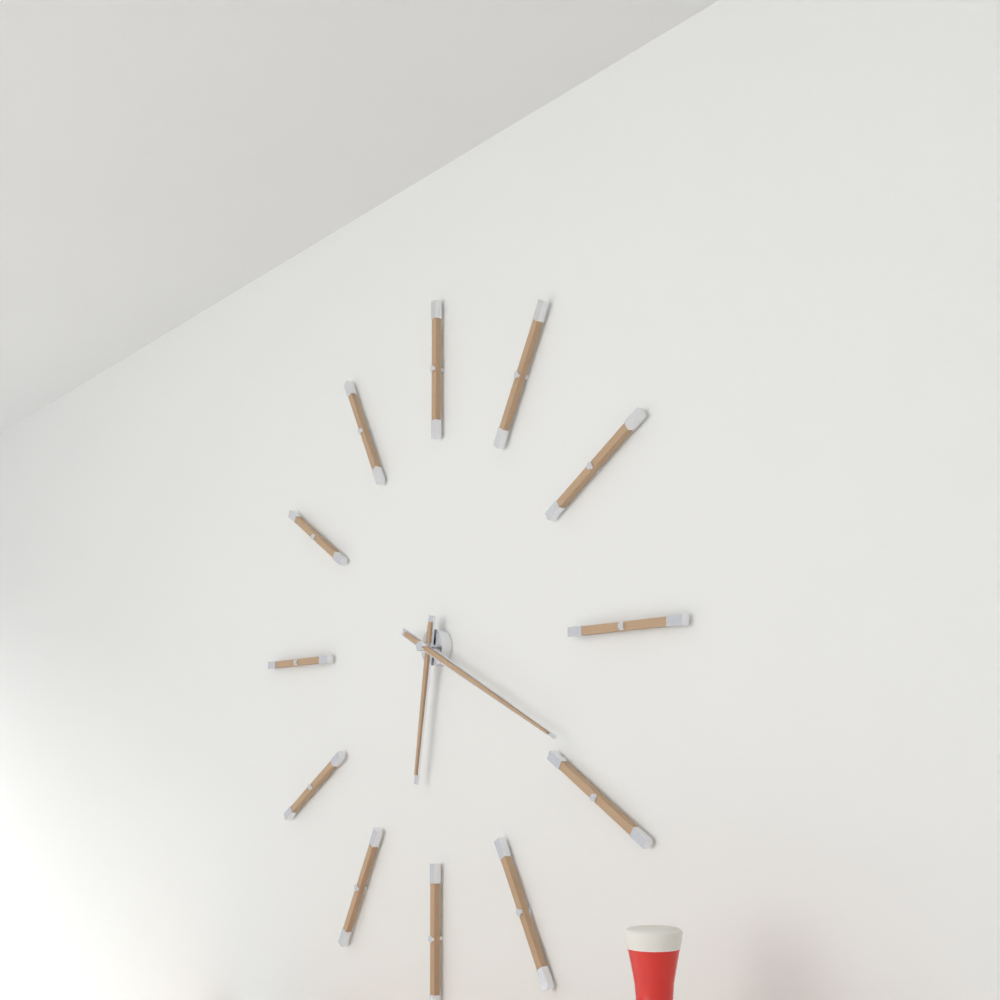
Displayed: 6h19
